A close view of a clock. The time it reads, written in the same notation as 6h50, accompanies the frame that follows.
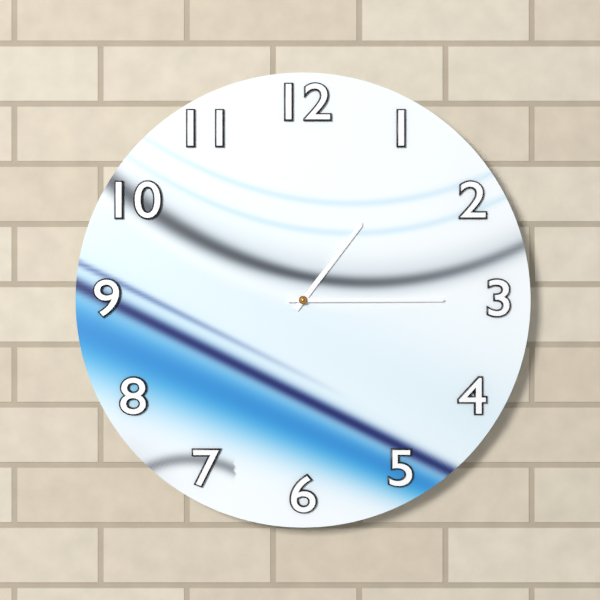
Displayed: 1h15
